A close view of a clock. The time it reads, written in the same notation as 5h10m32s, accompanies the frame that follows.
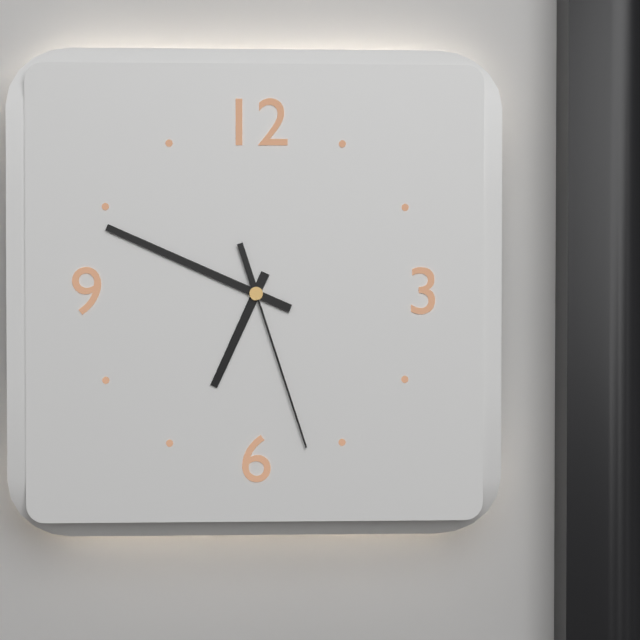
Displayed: 6h49m27s
